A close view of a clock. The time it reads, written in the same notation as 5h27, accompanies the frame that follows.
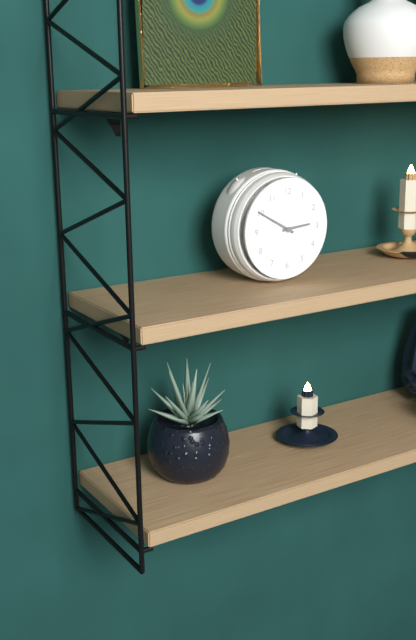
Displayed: 2h50
